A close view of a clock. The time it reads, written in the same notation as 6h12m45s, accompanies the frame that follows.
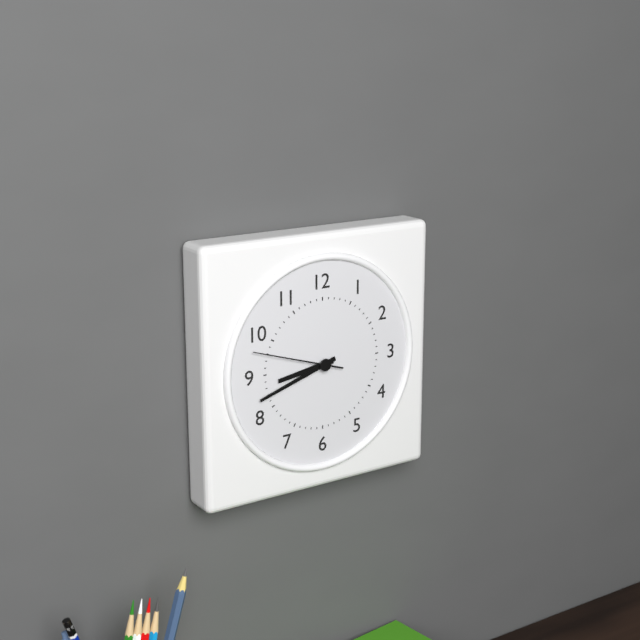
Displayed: 8h42m48s
